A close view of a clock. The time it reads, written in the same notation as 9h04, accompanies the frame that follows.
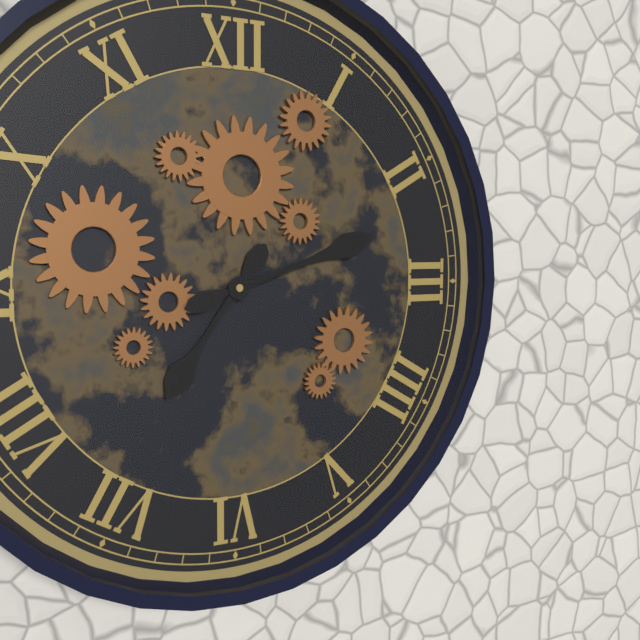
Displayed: 7h12
